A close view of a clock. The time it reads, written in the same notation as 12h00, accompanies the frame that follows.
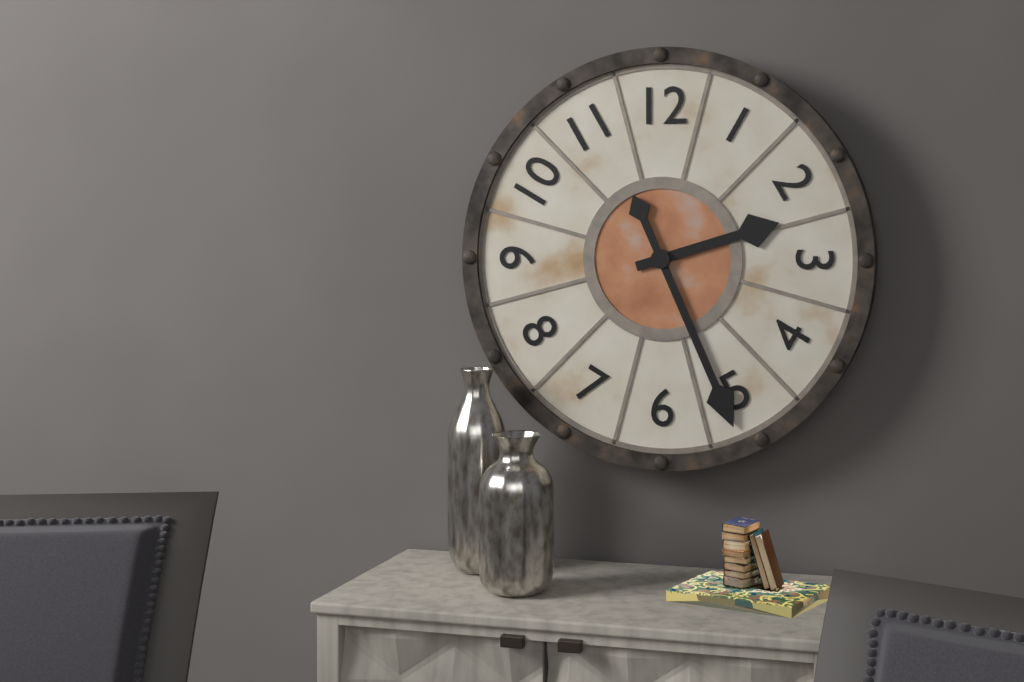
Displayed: 2h26
